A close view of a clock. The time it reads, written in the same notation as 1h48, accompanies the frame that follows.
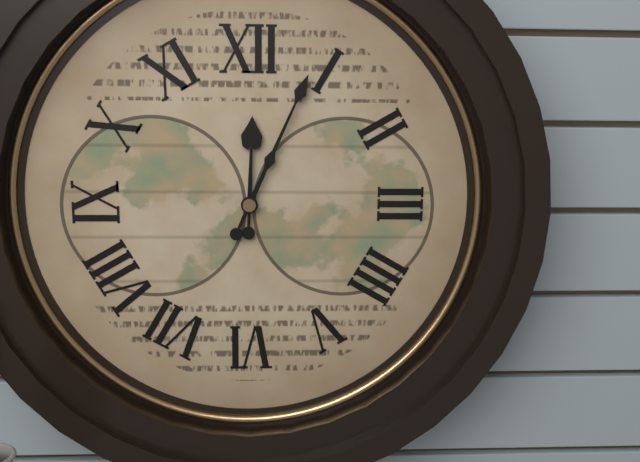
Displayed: 12h04
